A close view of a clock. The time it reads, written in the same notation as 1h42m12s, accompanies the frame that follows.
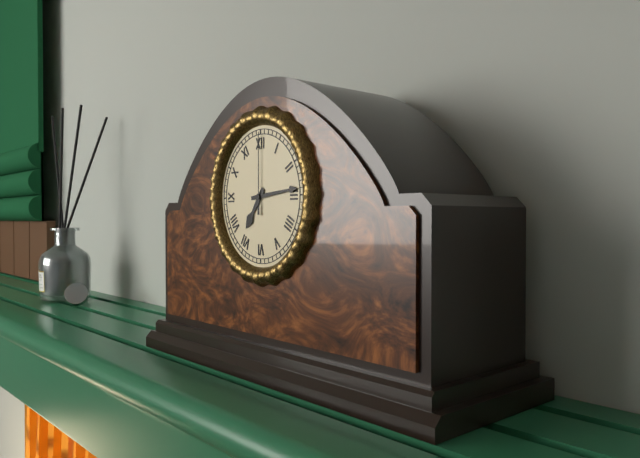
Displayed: 7h14m00s
